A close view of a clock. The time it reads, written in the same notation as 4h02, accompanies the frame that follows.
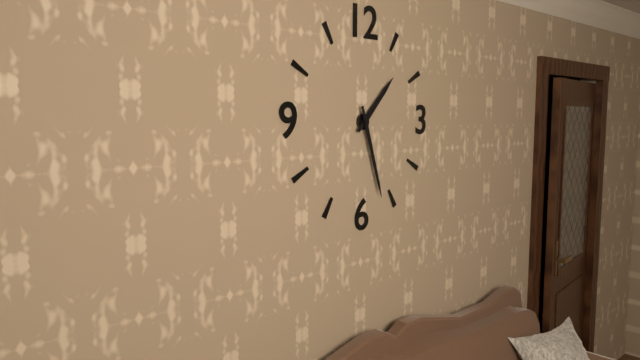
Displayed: 1h27
